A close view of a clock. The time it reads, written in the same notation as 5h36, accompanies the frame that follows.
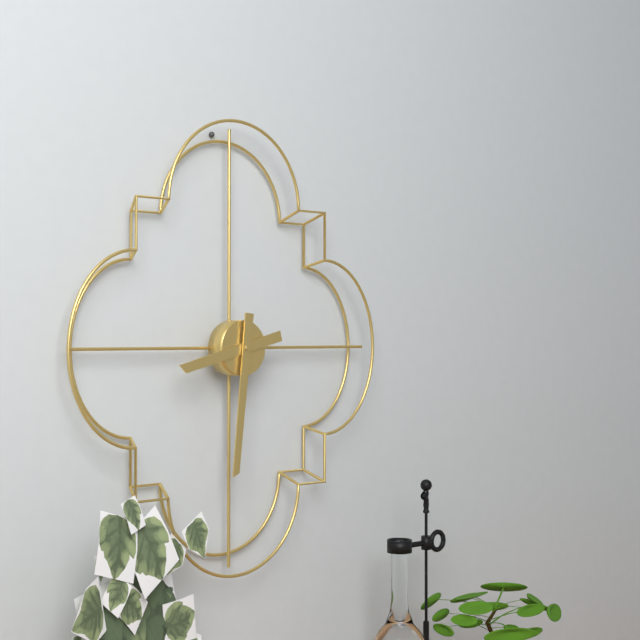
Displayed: 8h31
